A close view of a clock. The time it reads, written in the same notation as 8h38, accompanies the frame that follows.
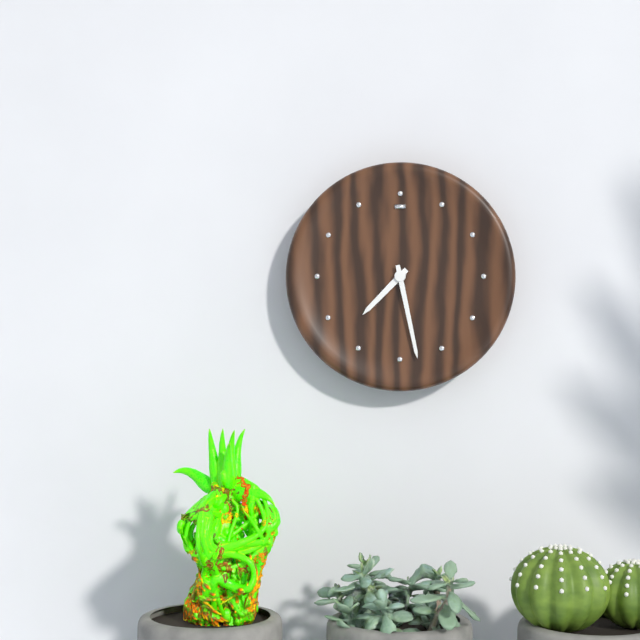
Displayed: 7h28
